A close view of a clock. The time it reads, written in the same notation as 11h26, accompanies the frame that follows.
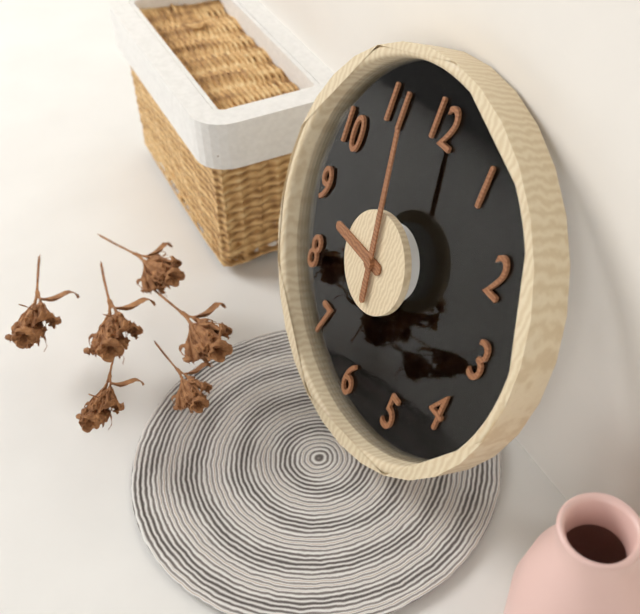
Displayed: 8h58
